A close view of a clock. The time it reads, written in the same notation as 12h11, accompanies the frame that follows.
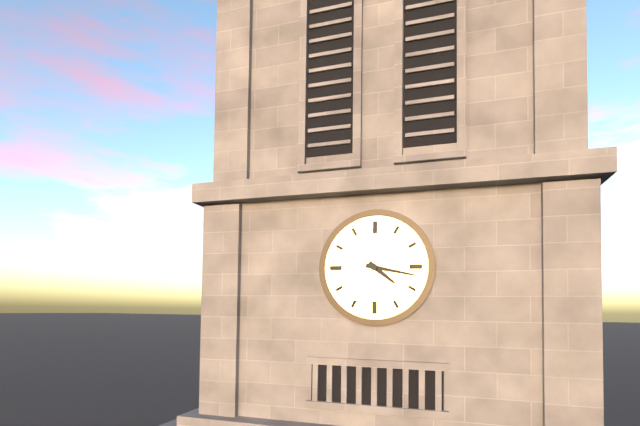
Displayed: 4h17
